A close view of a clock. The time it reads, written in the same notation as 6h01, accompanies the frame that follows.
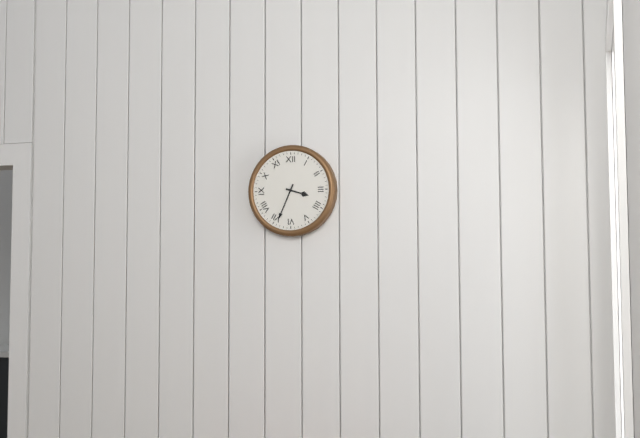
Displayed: 3h34
